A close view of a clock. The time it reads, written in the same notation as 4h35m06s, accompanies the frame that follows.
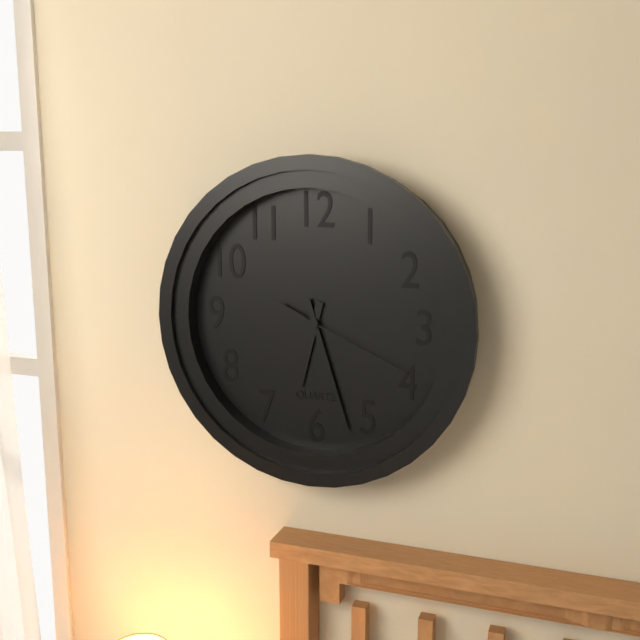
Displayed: 6h27m19s
